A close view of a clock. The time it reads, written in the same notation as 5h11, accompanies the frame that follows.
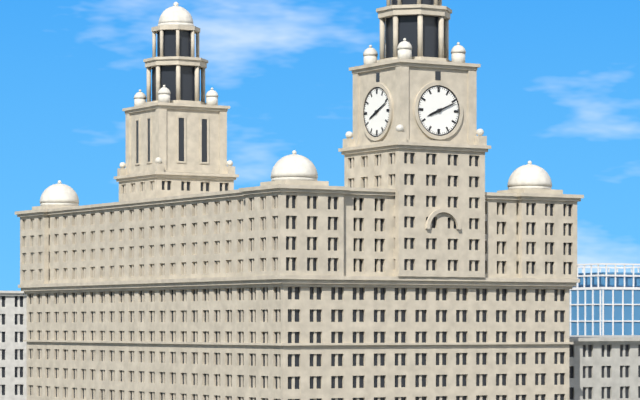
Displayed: 8h11
